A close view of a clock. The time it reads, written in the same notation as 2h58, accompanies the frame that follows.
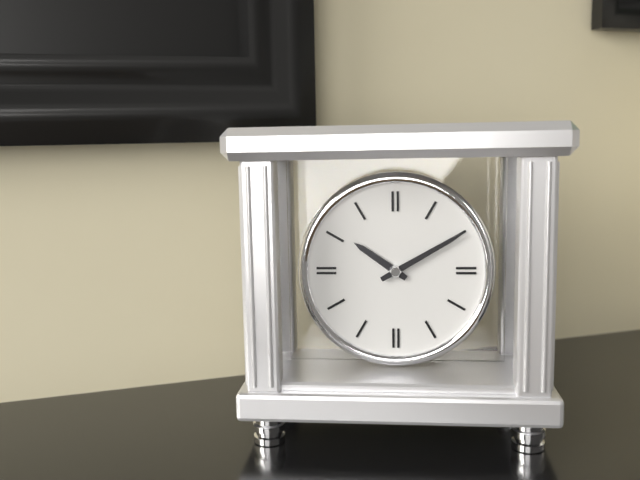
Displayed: 10h10
